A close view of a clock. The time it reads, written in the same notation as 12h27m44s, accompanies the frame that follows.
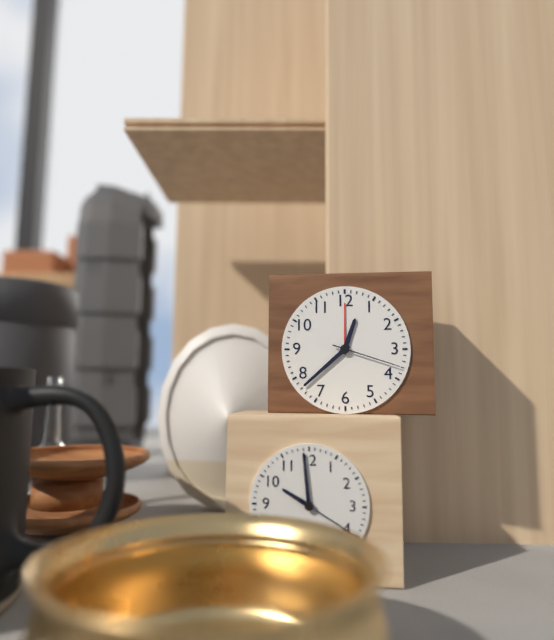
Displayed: 12h38m18s
